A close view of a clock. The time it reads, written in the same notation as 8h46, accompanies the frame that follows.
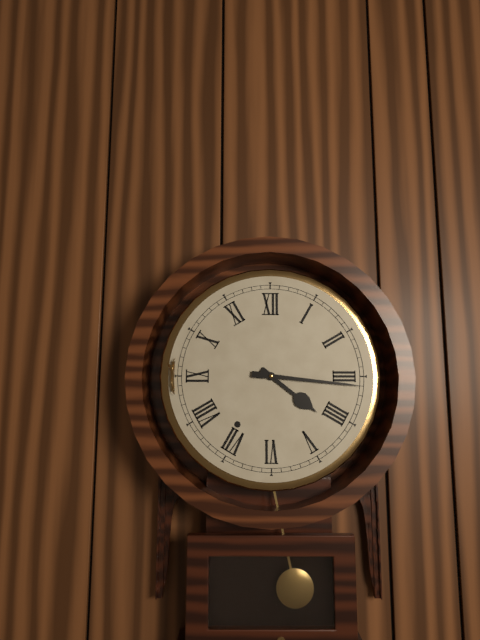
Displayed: 4h16
